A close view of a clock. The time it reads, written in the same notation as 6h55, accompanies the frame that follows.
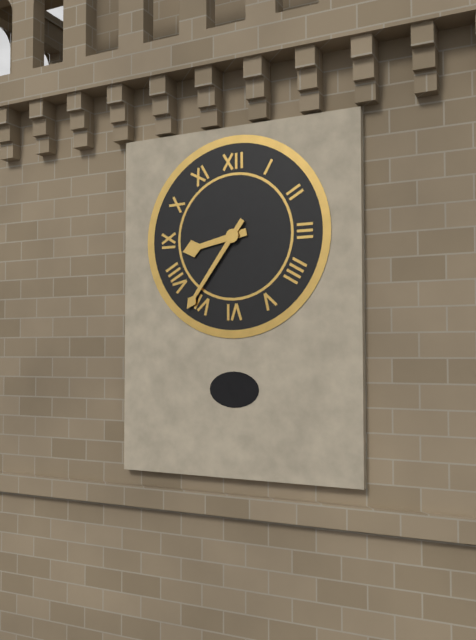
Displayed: 8h36
